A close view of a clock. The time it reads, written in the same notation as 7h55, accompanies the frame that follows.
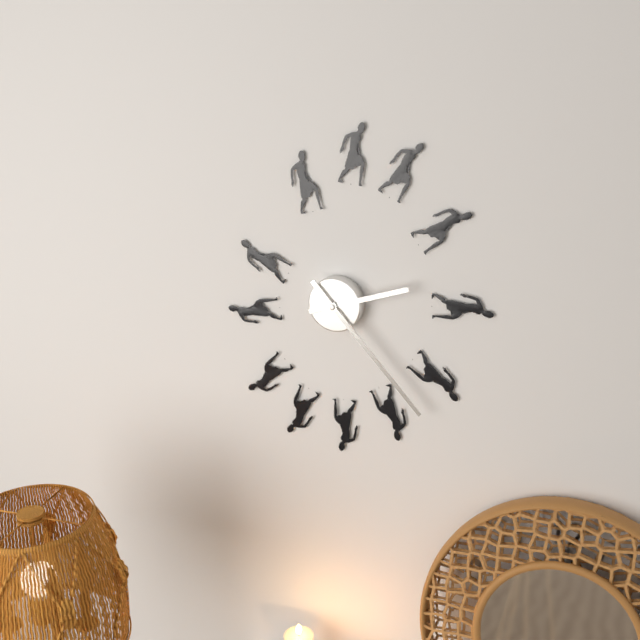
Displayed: 2h23
